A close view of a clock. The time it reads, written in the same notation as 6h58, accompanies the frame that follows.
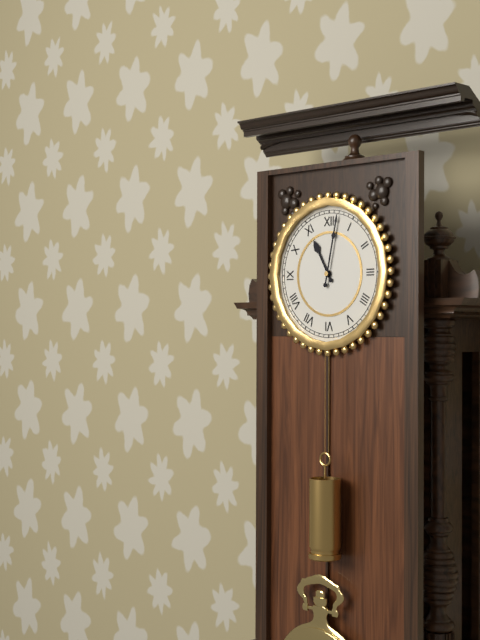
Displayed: 11h02
